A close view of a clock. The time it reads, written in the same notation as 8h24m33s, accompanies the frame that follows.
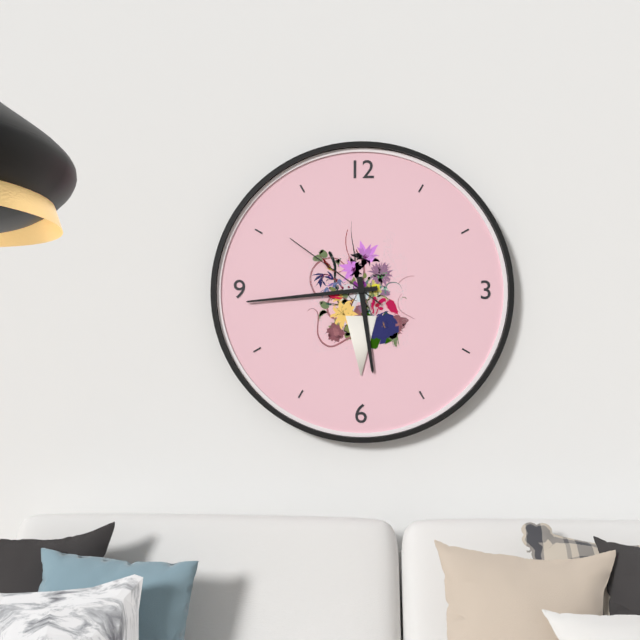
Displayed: 5h44m51s
